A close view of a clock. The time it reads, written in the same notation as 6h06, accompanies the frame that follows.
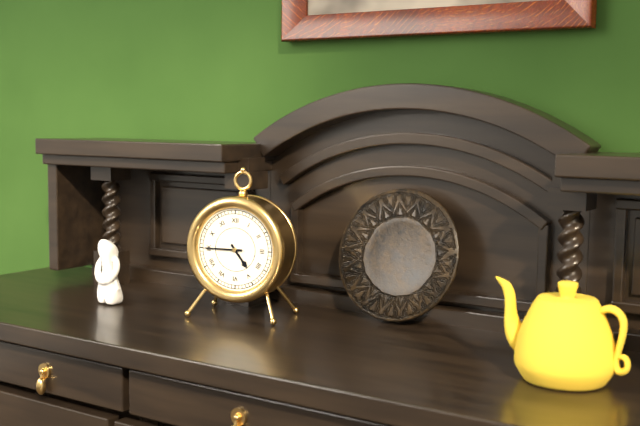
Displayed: 4h45
